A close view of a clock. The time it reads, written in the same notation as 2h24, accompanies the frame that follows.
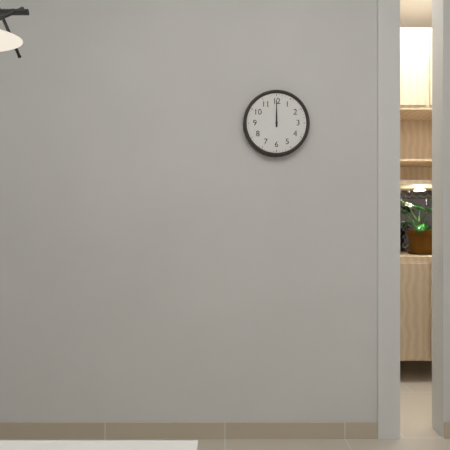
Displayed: 12h00
